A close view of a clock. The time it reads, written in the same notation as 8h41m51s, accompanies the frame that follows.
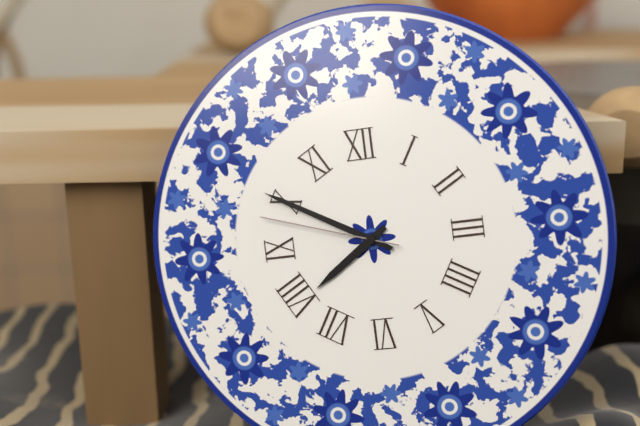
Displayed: 7h50m48s
